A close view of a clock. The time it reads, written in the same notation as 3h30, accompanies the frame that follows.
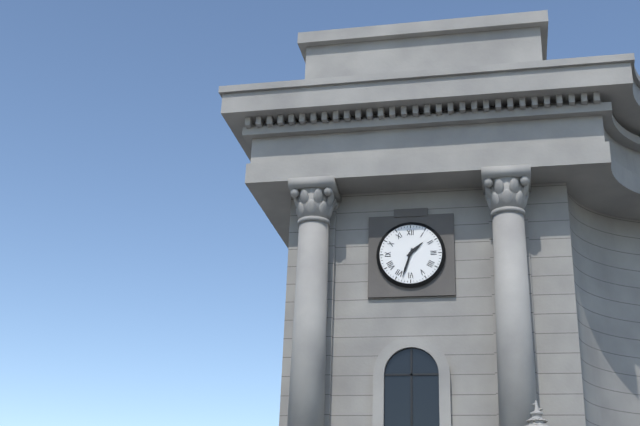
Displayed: 1h33
